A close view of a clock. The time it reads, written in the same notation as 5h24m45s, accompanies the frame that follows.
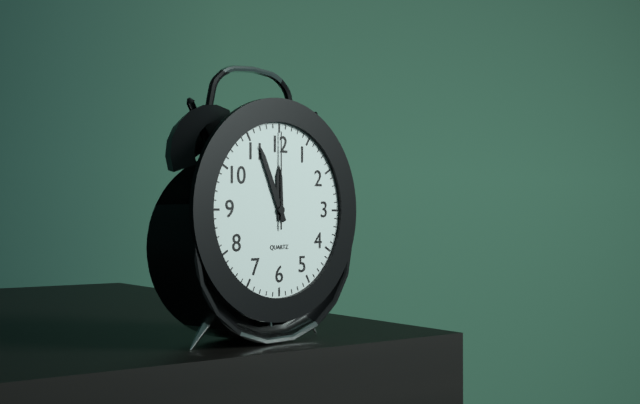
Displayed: 11h56m00s
